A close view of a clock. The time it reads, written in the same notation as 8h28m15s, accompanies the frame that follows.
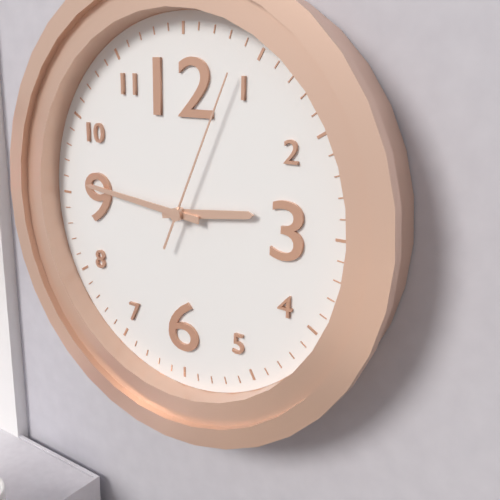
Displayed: 2h46m04s
